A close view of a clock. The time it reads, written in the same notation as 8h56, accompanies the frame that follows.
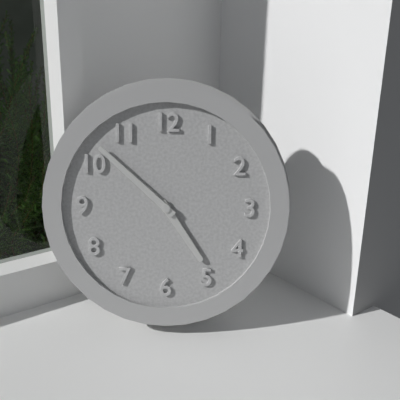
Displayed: 4h52
